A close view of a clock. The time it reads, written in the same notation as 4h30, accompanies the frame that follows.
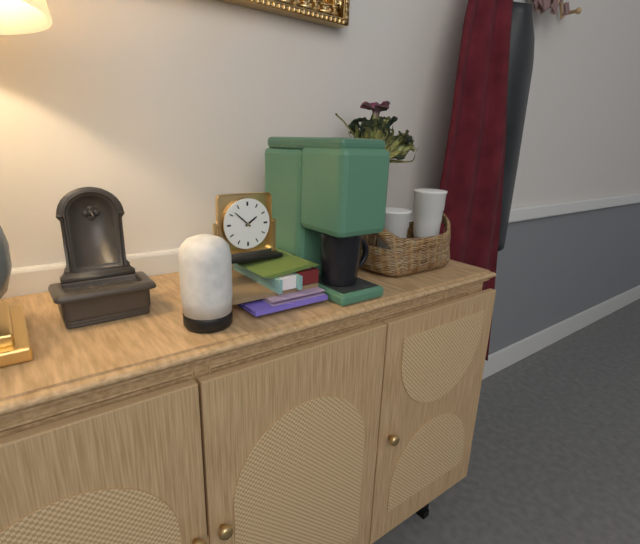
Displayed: 1h52
